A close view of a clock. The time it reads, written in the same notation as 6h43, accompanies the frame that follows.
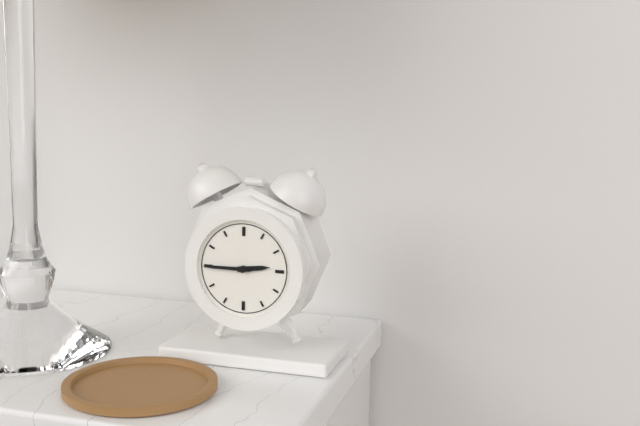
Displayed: 2h45
